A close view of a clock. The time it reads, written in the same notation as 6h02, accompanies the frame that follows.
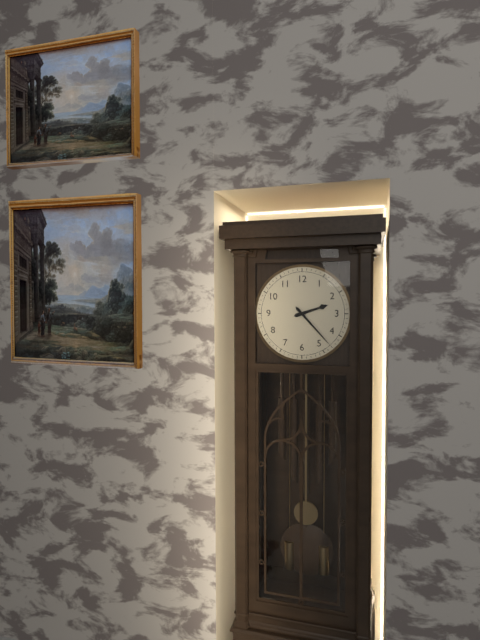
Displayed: 2h23
